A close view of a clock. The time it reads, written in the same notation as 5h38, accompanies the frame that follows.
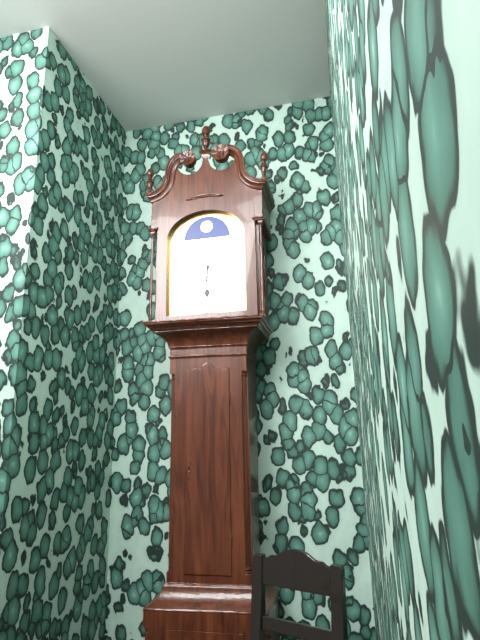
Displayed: 6h01
